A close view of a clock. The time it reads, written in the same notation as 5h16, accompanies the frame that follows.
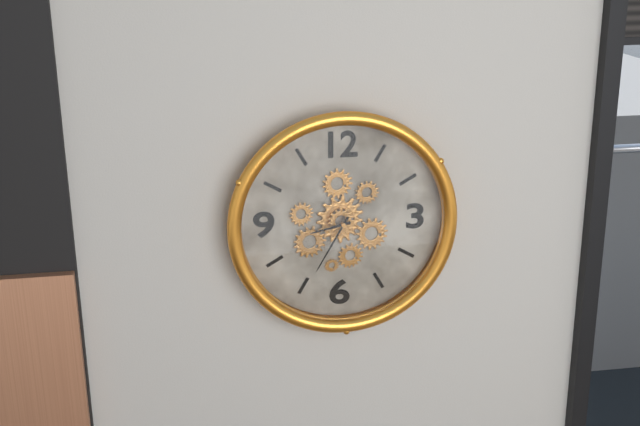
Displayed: 8h35
